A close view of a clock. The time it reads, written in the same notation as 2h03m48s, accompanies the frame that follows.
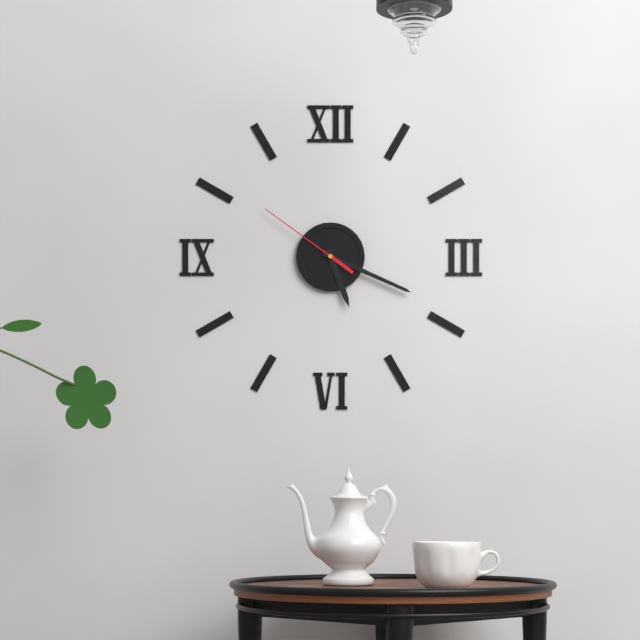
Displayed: 5h19m51s
